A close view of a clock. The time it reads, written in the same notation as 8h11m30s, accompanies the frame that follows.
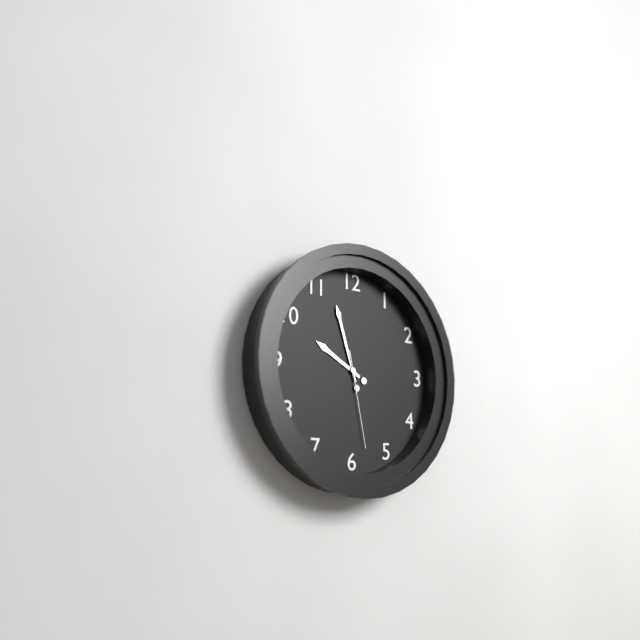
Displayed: 9h57m28s
